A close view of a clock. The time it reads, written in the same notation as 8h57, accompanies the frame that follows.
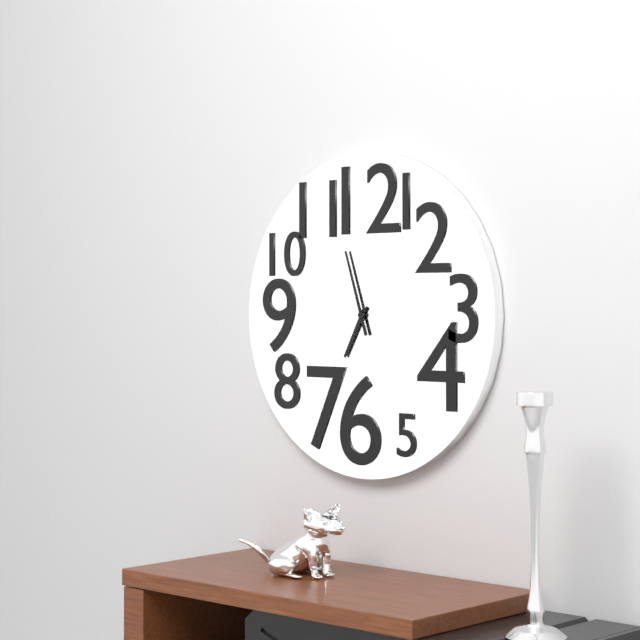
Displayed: 6h57
